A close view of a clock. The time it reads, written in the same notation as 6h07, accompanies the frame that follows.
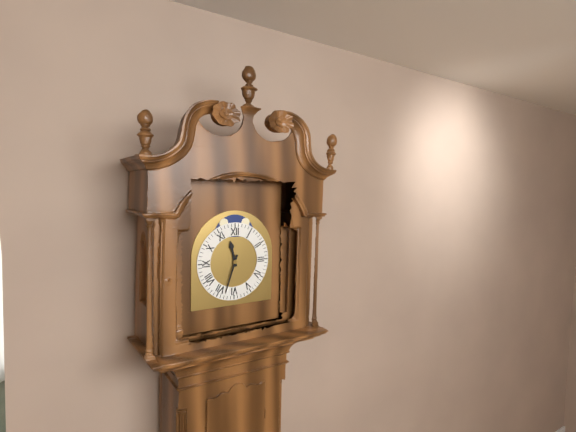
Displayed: 11h33
